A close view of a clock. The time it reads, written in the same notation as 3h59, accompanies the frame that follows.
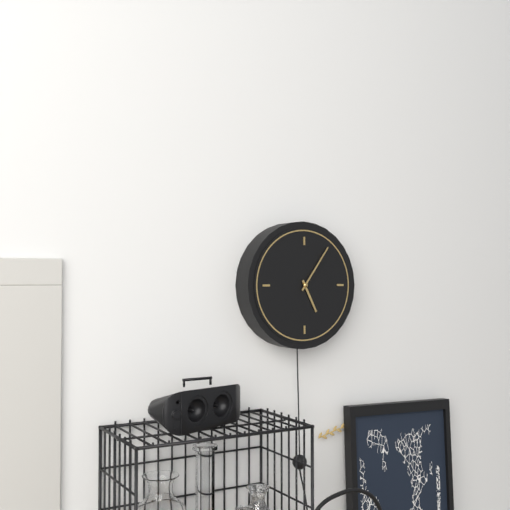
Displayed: 5h06
